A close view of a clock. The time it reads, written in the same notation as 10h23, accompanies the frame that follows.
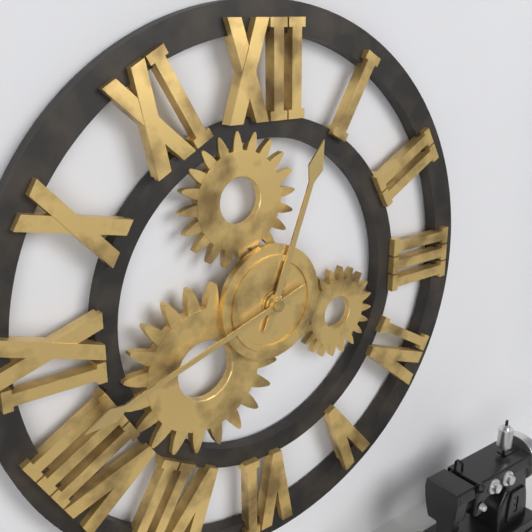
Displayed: 12h42
